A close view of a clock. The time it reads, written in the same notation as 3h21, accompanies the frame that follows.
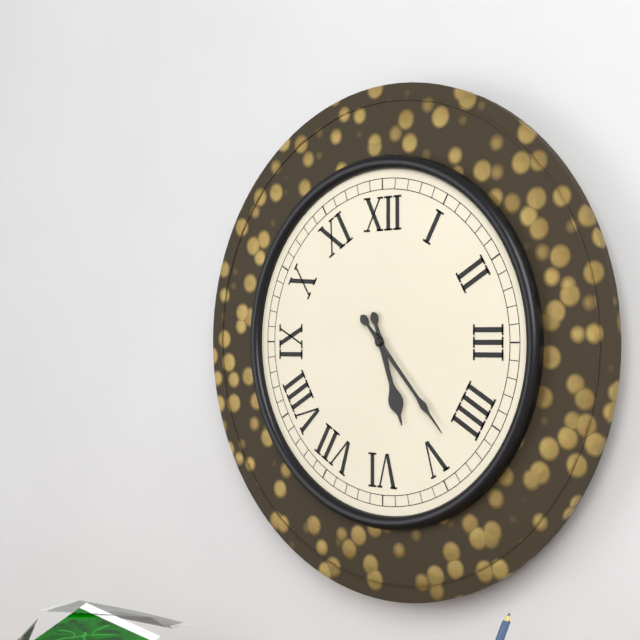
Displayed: 5h23
